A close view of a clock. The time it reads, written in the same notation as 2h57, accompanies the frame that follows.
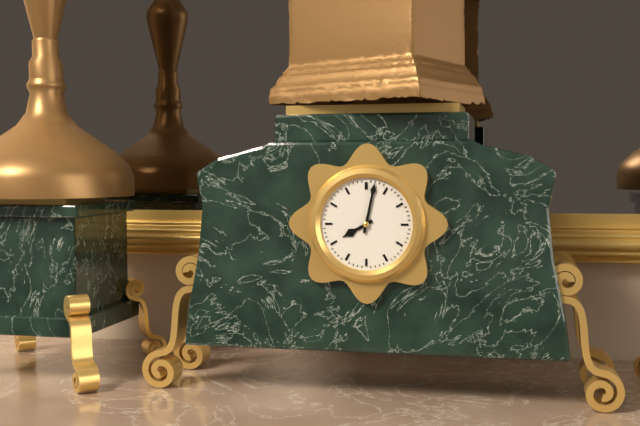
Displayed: 8h02
